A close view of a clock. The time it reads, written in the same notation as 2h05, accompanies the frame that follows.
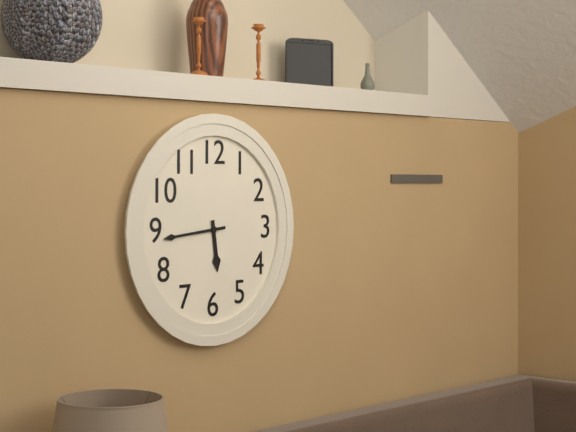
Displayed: 5h44
